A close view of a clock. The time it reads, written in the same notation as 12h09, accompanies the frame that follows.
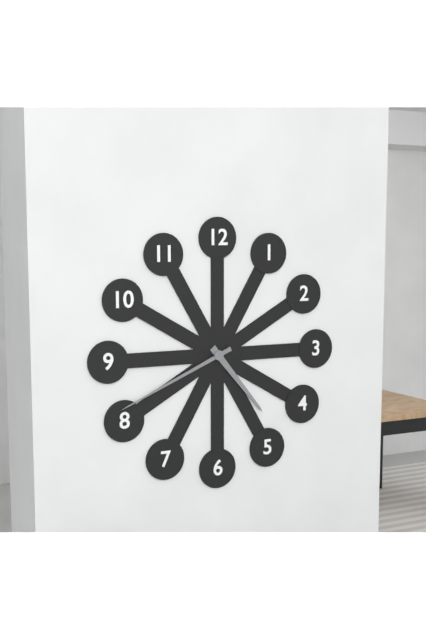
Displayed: 4h41
